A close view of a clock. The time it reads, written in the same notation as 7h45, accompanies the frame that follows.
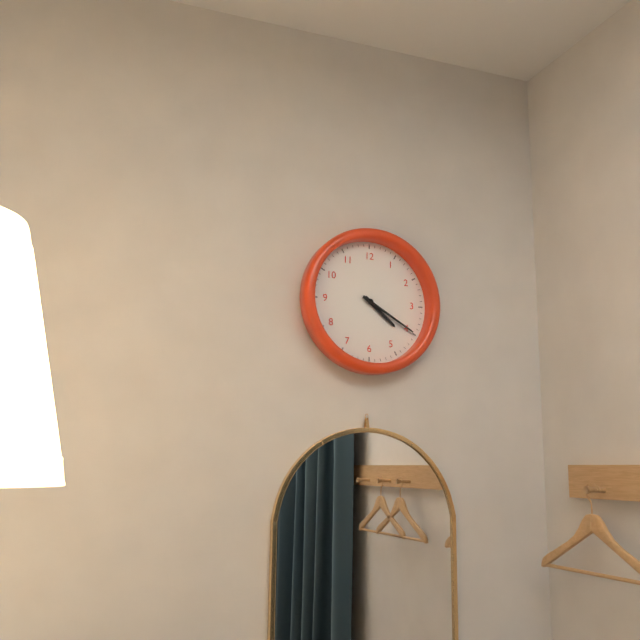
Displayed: 4h20
